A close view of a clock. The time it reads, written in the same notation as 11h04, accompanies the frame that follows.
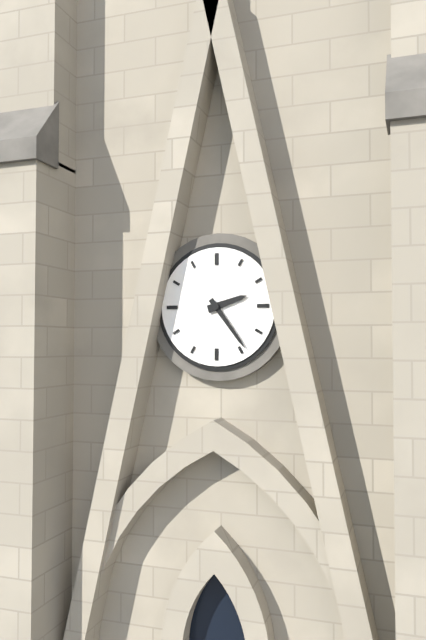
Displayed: 2h24
